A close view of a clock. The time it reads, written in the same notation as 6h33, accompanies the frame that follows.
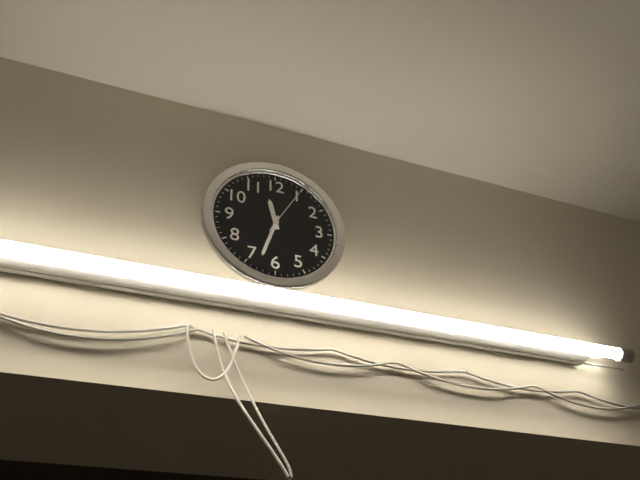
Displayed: 11h33
